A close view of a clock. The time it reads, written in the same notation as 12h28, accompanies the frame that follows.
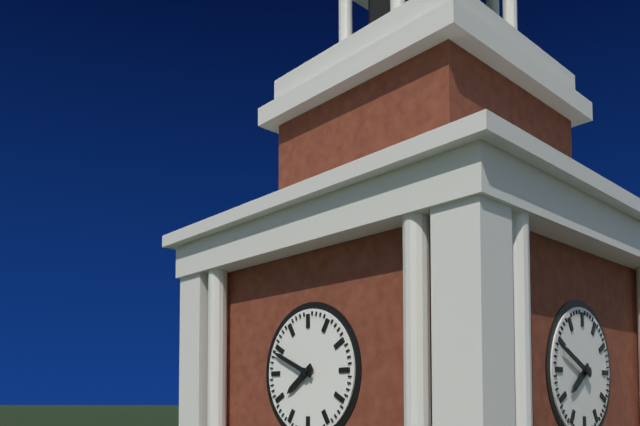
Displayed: 7h49
